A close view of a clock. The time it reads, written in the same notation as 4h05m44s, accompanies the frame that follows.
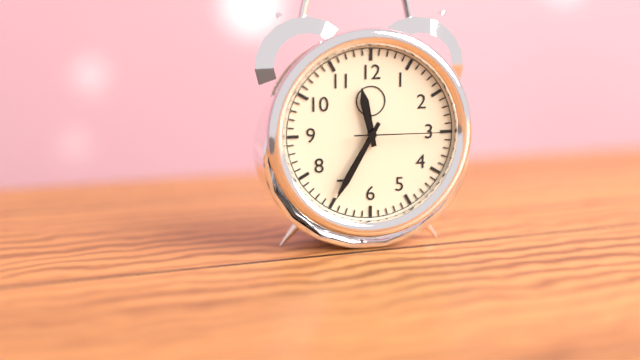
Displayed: 11h35m15s
